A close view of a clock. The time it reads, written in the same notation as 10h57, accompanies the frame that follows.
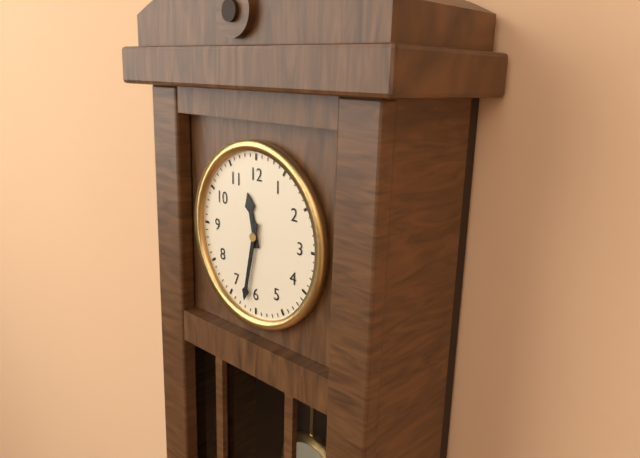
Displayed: 11h32
